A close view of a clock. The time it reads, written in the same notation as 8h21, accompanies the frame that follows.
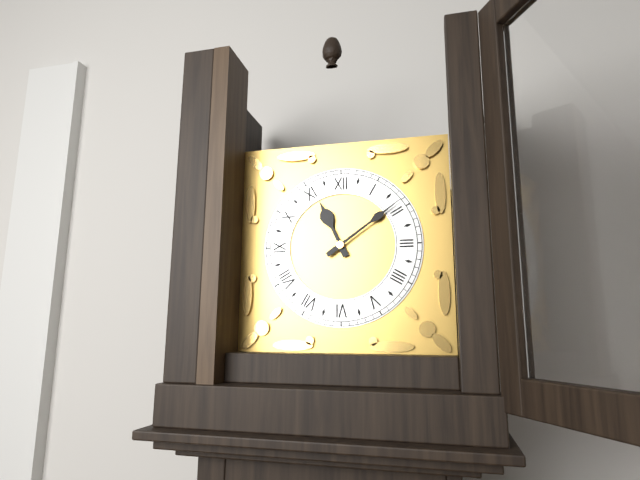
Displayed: 11h09
